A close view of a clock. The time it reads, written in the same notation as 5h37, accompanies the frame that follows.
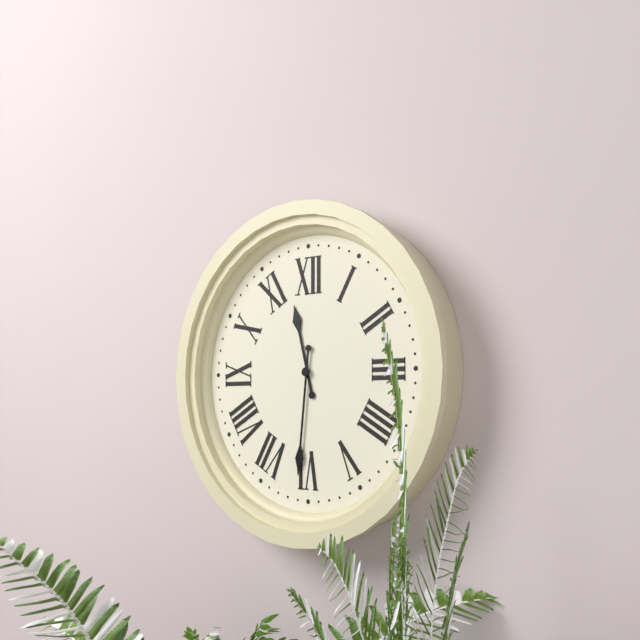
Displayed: 11h31
